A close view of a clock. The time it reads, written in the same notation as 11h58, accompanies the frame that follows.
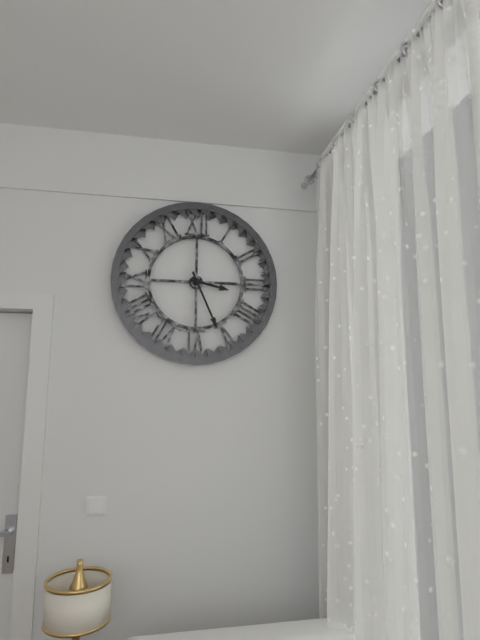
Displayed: 3h26
